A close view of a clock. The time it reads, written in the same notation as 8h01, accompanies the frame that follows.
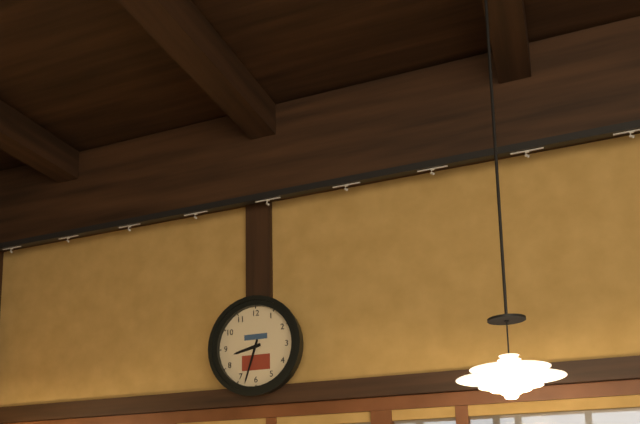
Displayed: 8h33
